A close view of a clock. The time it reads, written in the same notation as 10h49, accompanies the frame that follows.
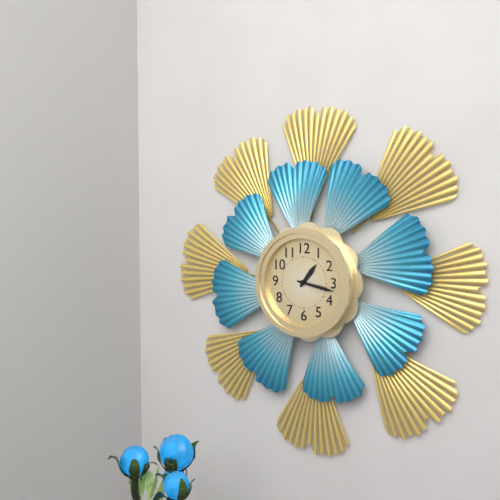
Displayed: 1h17
